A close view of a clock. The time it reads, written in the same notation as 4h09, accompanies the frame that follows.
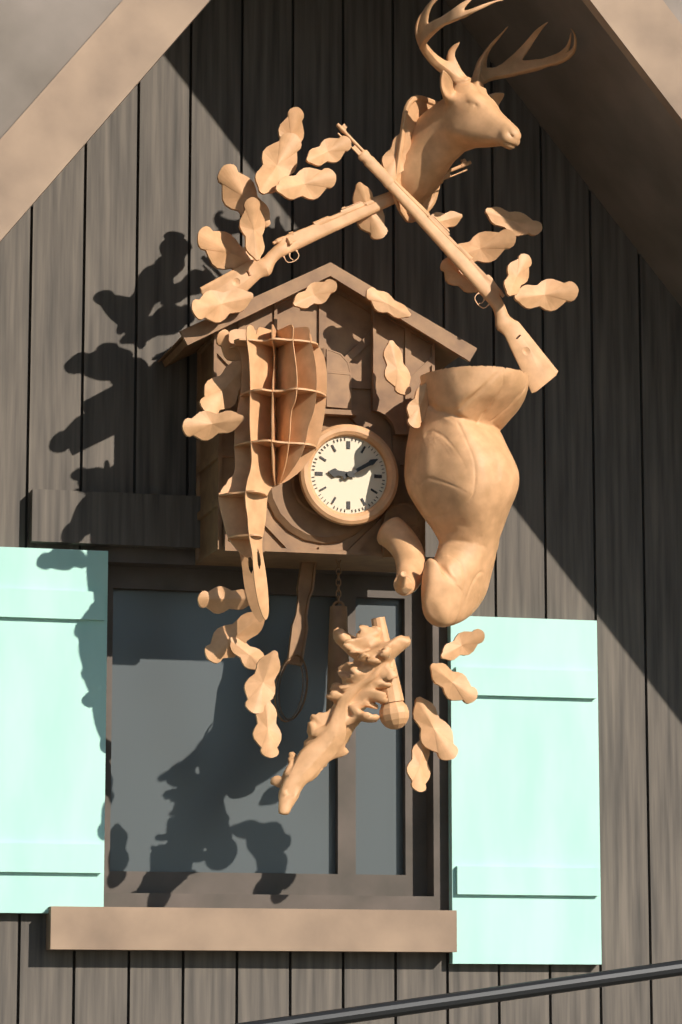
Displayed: 9h10
